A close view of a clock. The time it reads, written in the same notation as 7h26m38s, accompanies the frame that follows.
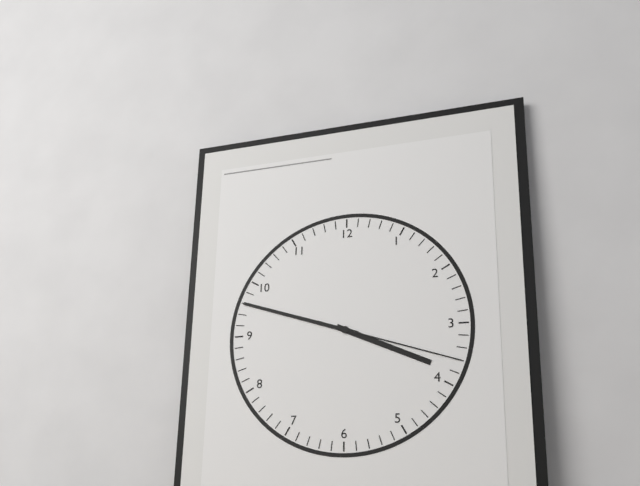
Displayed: 3h48m18s
